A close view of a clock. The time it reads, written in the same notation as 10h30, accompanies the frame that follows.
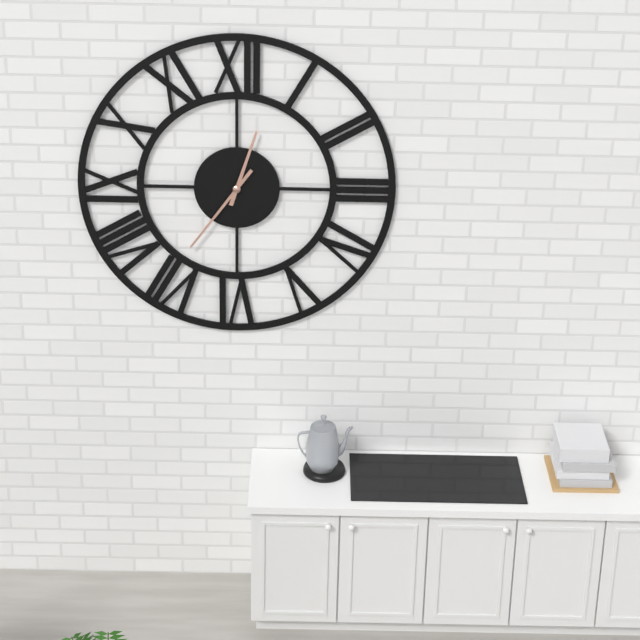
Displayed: 12h36
